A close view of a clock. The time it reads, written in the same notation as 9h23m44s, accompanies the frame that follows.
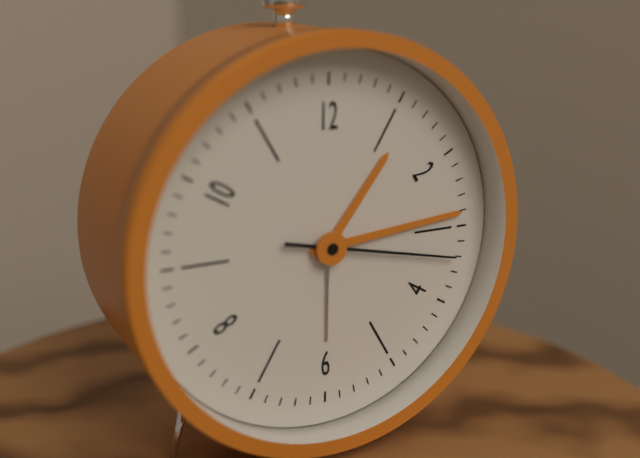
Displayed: 1h14m17s
